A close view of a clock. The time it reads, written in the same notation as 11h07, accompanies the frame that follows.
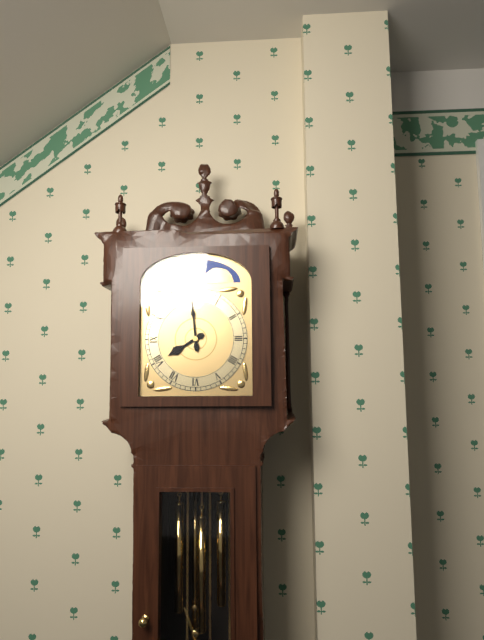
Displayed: 7h59
